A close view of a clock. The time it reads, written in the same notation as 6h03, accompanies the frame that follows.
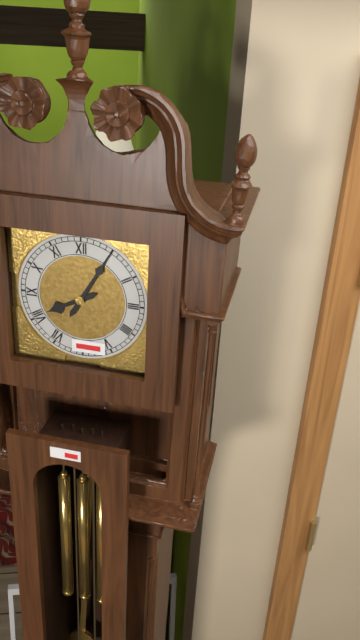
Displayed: 8h05
